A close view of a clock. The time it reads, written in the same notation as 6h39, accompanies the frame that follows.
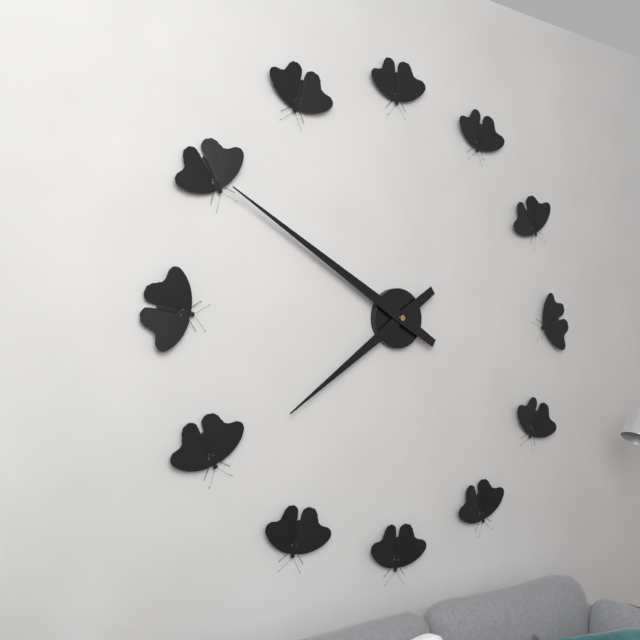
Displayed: 7h50
